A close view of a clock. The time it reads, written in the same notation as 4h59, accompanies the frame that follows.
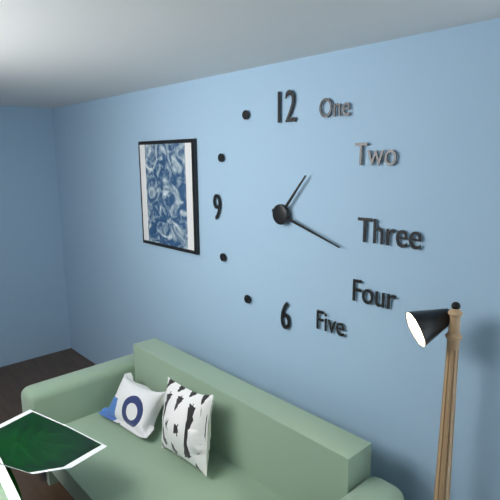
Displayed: 1h18
